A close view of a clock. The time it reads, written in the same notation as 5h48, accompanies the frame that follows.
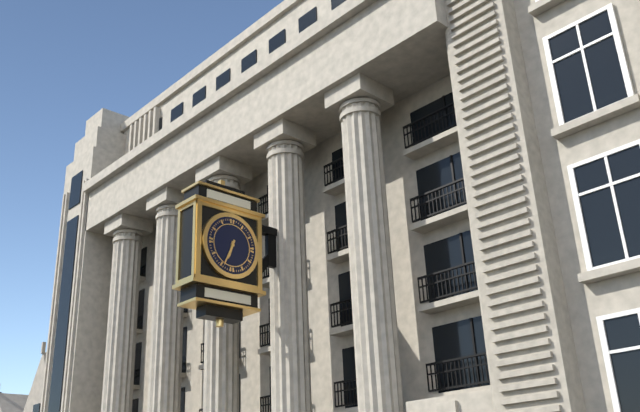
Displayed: 6h34
